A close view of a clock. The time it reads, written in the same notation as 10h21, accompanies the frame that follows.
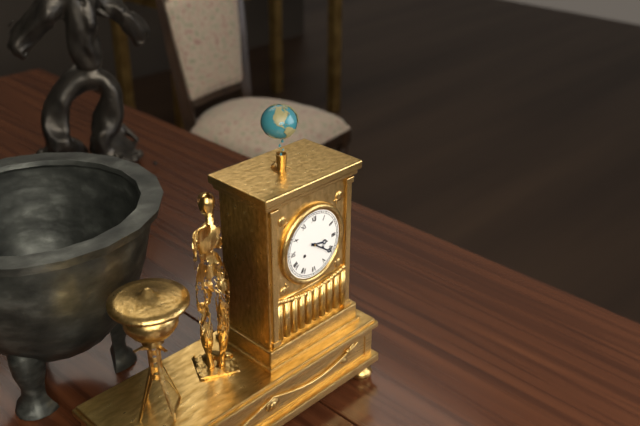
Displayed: 3h21
